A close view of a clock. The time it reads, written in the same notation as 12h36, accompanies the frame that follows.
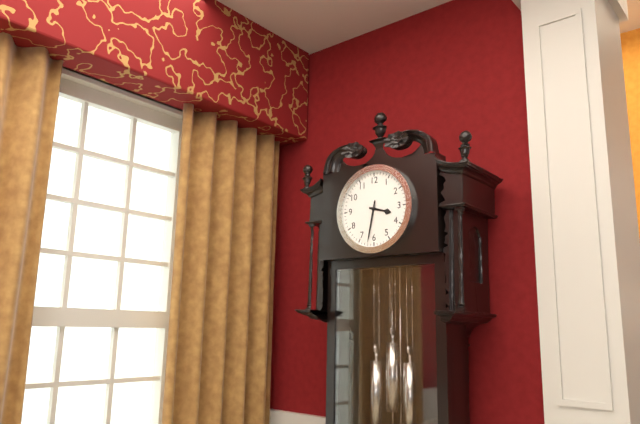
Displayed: 3h32
